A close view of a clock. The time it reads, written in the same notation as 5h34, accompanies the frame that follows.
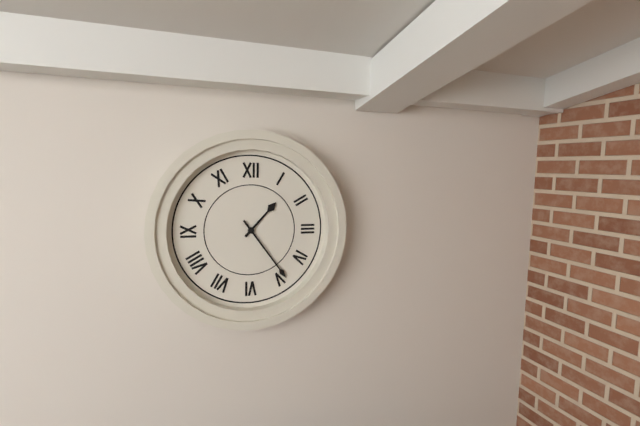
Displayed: 1h24
